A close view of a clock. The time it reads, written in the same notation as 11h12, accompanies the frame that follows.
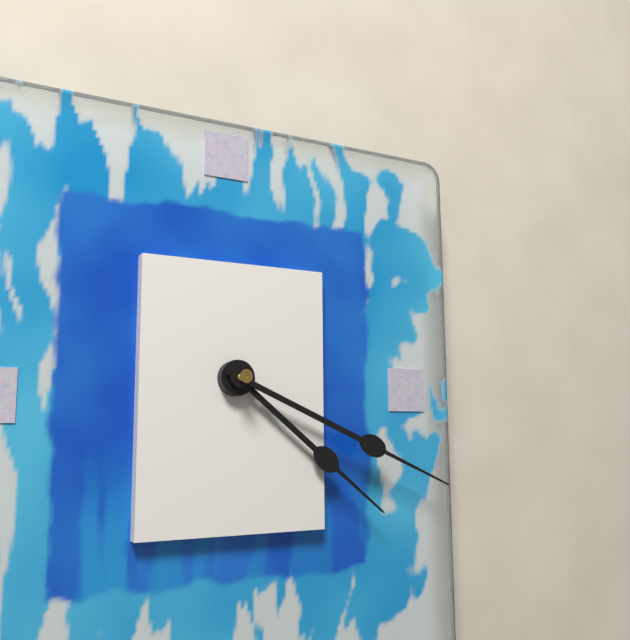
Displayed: 4h19
